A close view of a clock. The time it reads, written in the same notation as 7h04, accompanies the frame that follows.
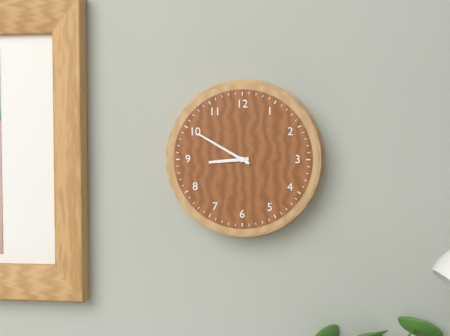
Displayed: 8h50
